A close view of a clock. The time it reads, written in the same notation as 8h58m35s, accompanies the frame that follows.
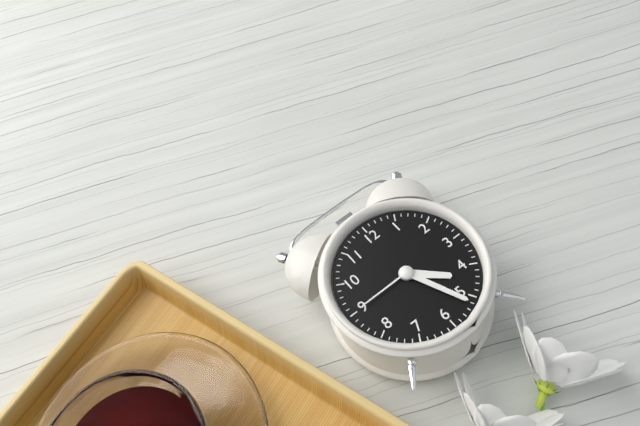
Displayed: 4h26m45s
